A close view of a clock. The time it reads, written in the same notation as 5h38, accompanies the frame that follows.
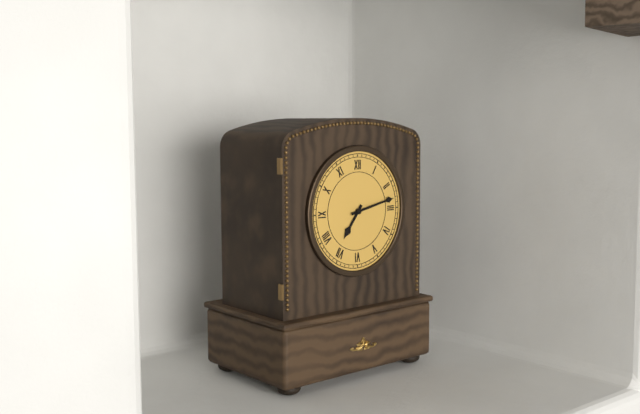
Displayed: 7h13
